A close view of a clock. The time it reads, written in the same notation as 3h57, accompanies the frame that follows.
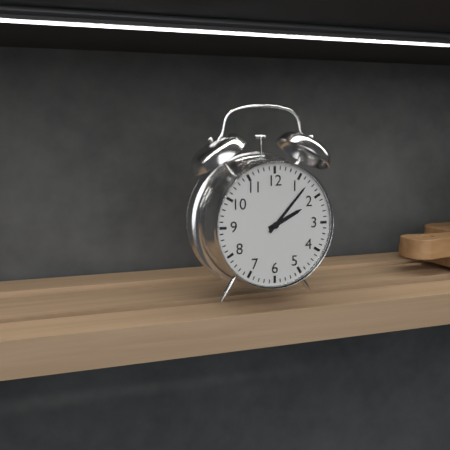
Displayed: 2h07
